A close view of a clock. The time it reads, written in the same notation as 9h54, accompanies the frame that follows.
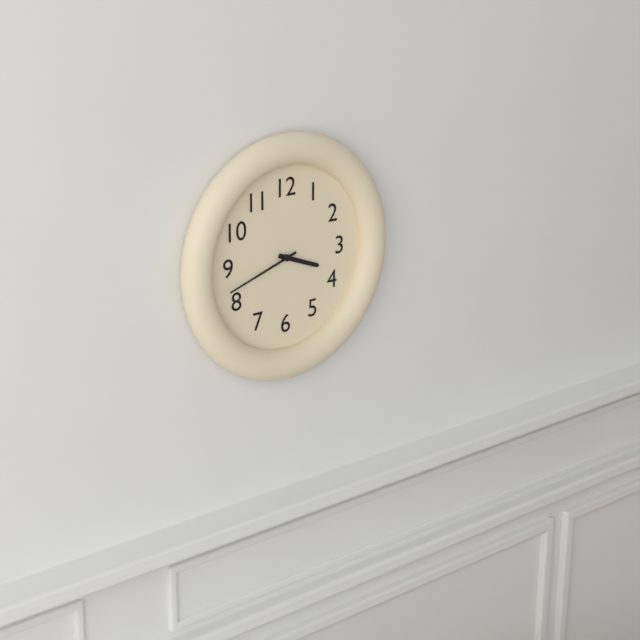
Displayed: 3h42
